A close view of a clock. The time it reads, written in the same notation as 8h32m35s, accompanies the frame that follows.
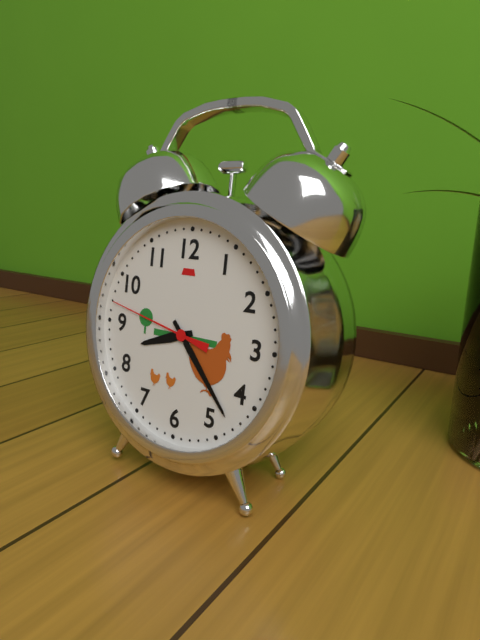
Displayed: 8h23m47s
